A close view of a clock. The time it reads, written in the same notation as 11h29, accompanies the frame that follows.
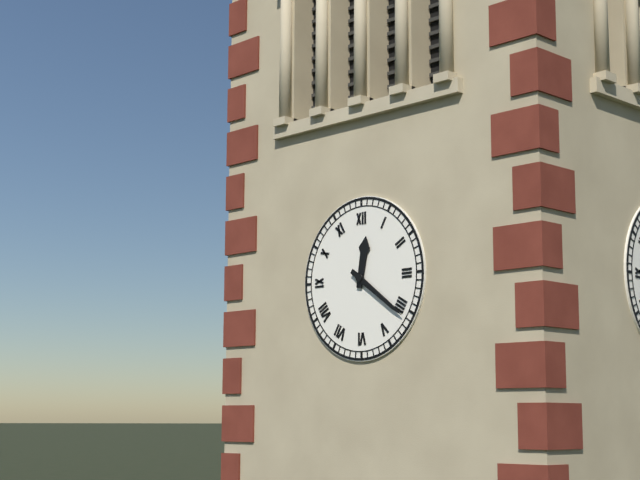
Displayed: 12h21
